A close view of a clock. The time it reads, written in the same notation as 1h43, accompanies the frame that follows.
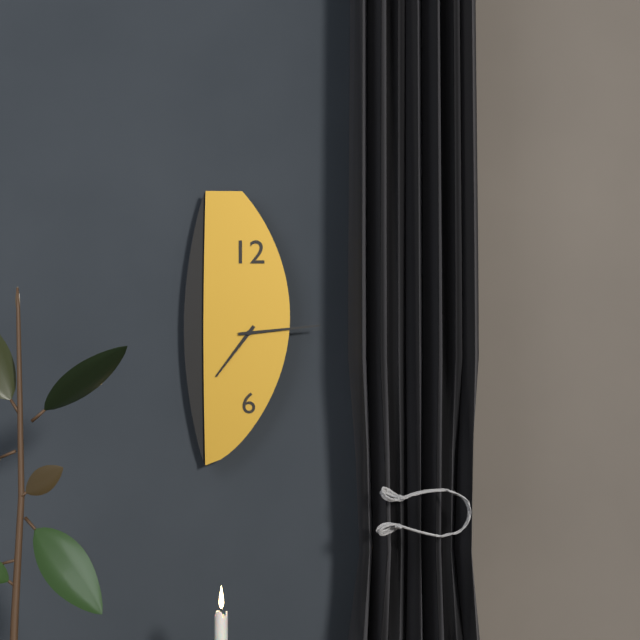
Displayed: 7h14
